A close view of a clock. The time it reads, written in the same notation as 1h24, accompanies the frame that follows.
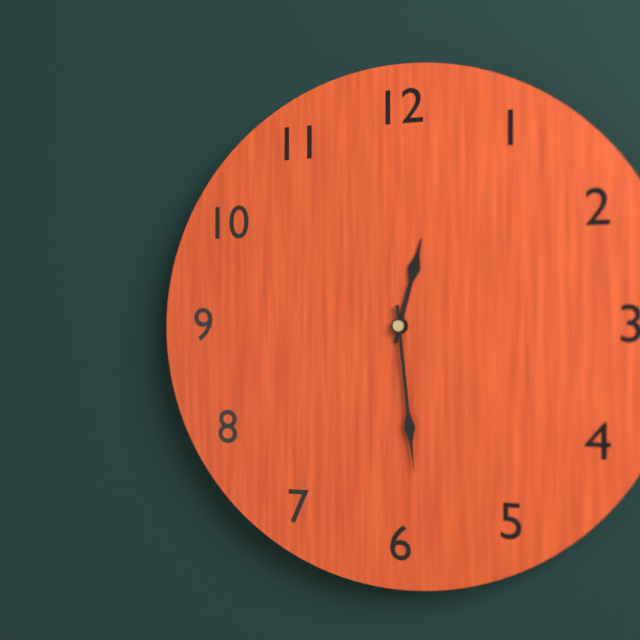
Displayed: 12h29
